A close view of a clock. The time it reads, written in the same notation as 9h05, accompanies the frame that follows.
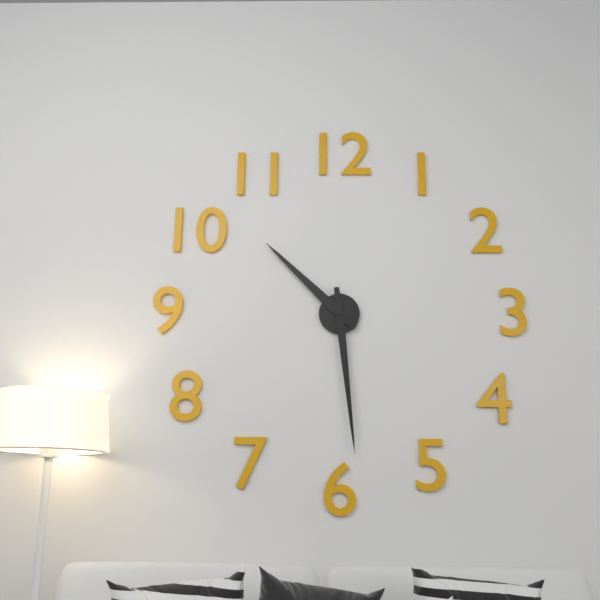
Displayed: 10h29
